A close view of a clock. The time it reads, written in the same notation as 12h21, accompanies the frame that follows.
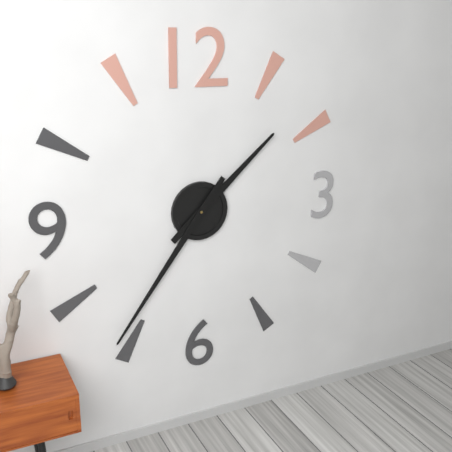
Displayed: 1h36
